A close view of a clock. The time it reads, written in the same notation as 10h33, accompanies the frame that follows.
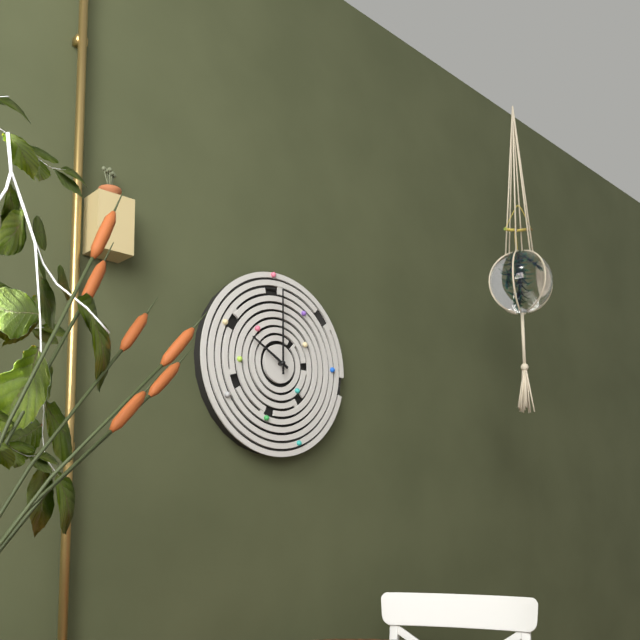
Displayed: 10h00
